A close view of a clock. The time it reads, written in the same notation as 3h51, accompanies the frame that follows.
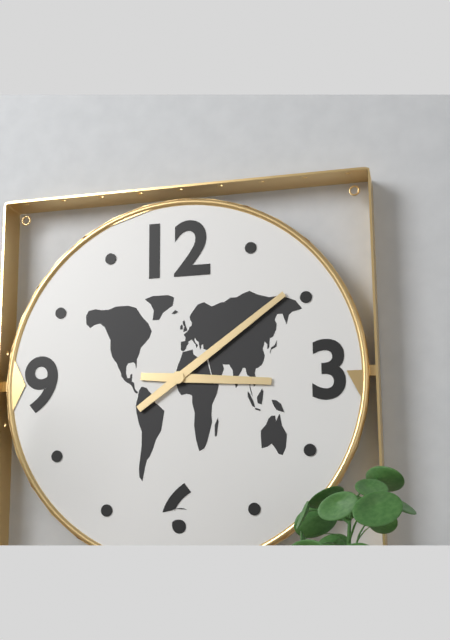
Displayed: 3h09
